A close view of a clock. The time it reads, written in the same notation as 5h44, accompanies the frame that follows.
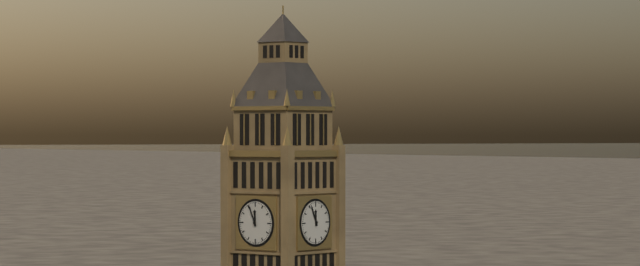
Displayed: 11h56
